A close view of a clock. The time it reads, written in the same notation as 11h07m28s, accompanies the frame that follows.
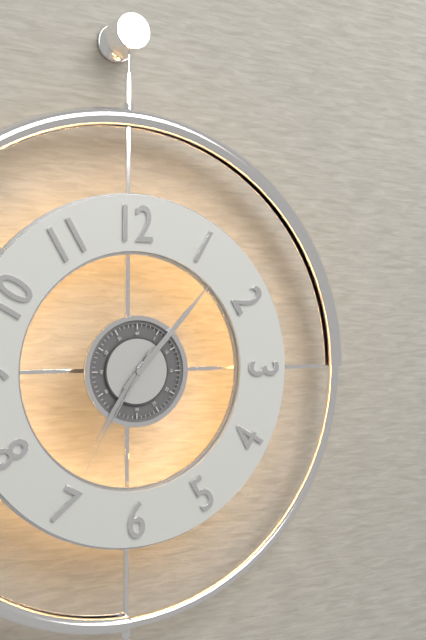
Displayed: 7h07m35s
